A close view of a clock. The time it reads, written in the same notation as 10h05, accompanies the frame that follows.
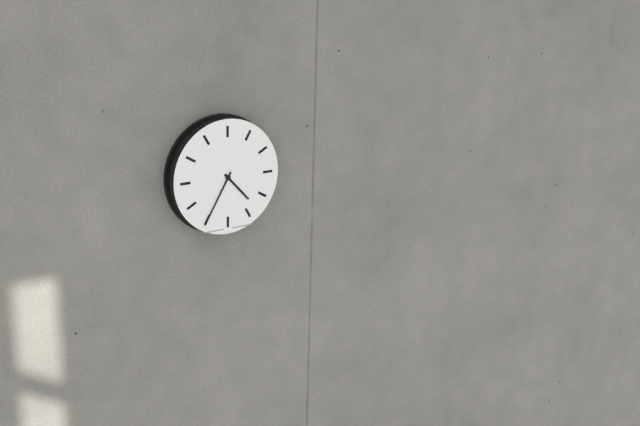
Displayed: 4h35
